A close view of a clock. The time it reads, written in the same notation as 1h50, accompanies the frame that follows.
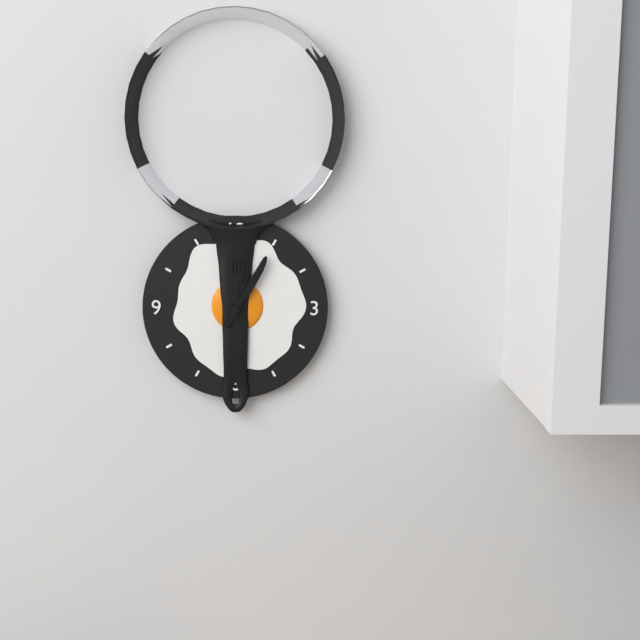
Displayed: 12h05
